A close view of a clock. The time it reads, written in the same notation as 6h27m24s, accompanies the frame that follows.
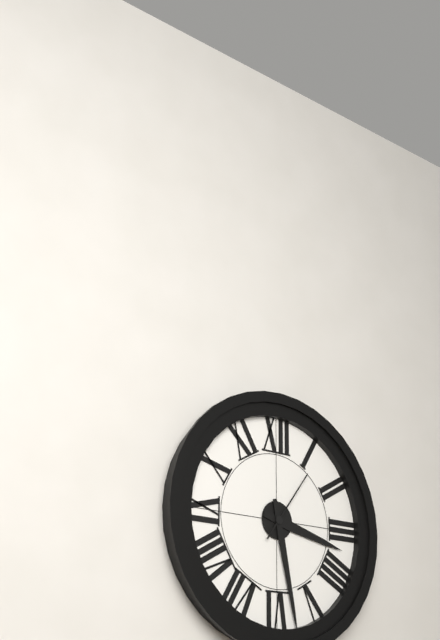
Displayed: 3h28m06s
